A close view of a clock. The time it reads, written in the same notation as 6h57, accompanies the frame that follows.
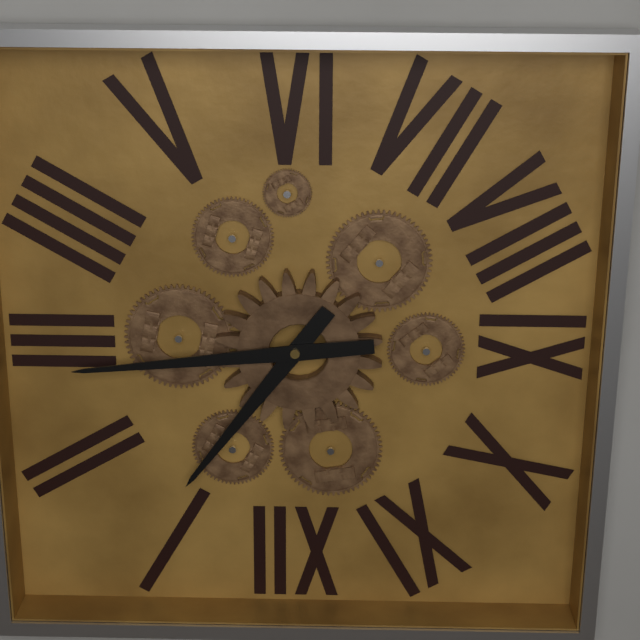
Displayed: 1h14
